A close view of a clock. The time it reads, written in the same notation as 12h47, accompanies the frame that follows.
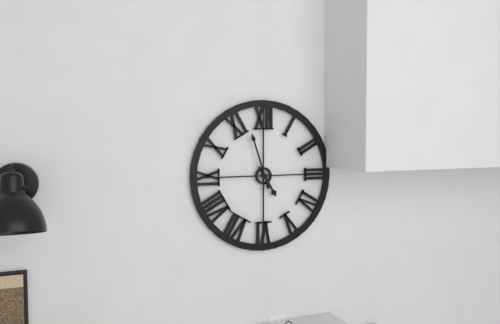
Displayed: 4h57
